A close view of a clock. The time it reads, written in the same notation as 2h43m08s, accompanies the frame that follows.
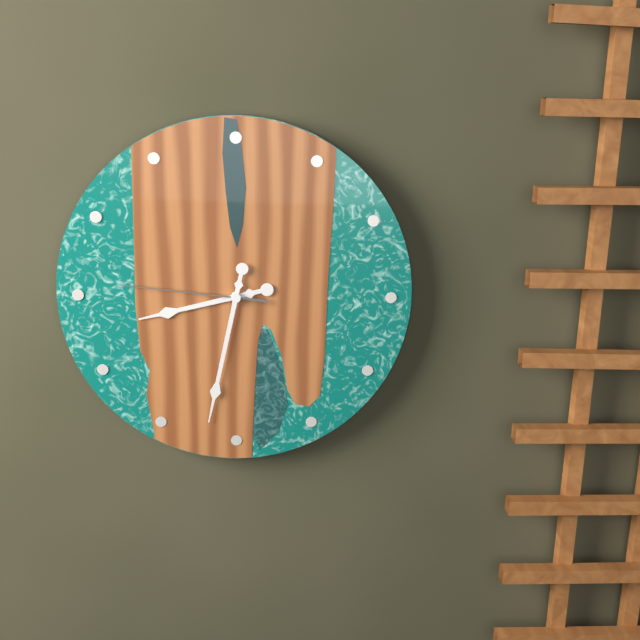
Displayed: 8h32m46s
